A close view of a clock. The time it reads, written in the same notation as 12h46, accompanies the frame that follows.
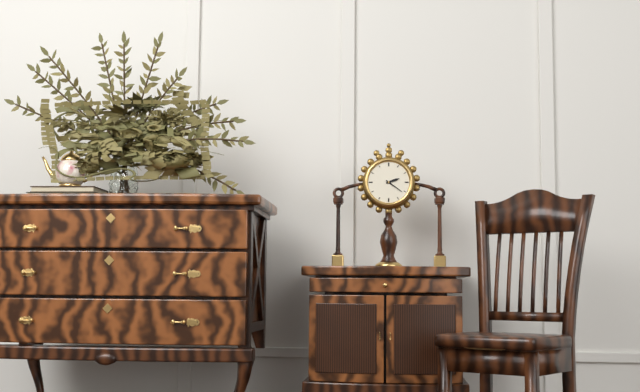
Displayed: 2h21
